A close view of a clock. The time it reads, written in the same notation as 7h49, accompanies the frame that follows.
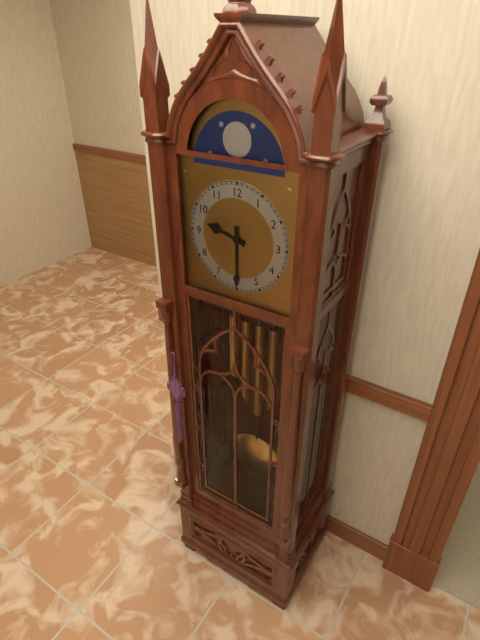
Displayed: 9h30
